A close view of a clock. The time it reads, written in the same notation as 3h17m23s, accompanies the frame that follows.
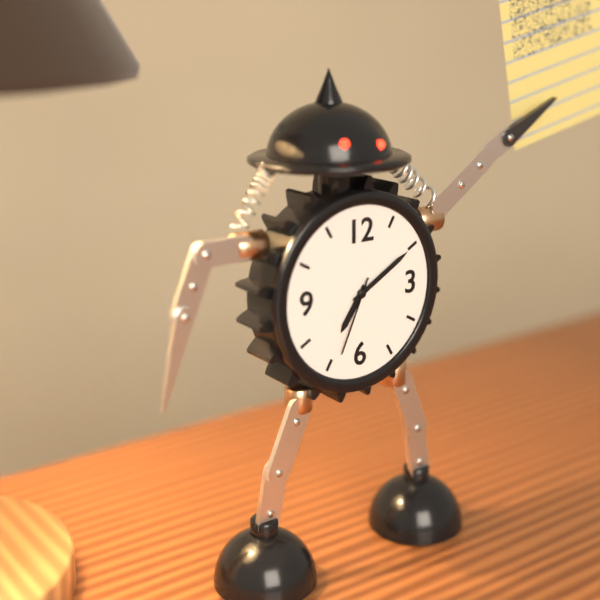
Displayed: 7h10m34s
